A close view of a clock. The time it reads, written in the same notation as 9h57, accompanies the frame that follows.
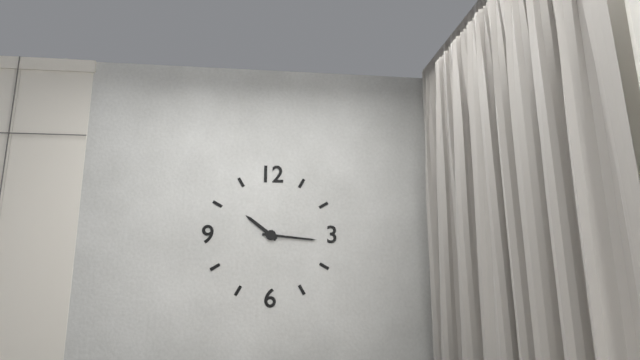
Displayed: 10h16
